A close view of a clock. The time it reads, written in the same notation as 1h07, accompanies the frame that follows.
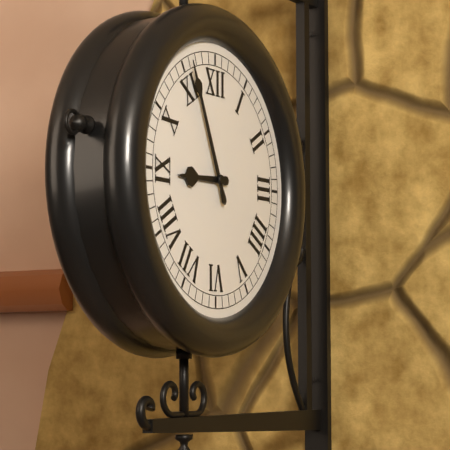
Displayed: 8h56
